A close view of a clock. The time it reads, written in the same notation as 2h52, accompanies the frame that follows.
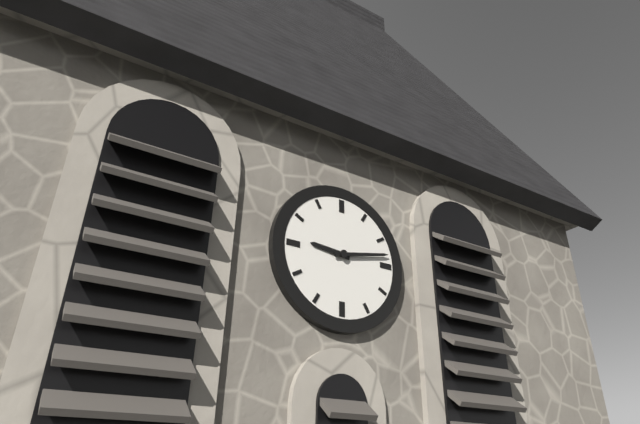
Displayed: 9h13
